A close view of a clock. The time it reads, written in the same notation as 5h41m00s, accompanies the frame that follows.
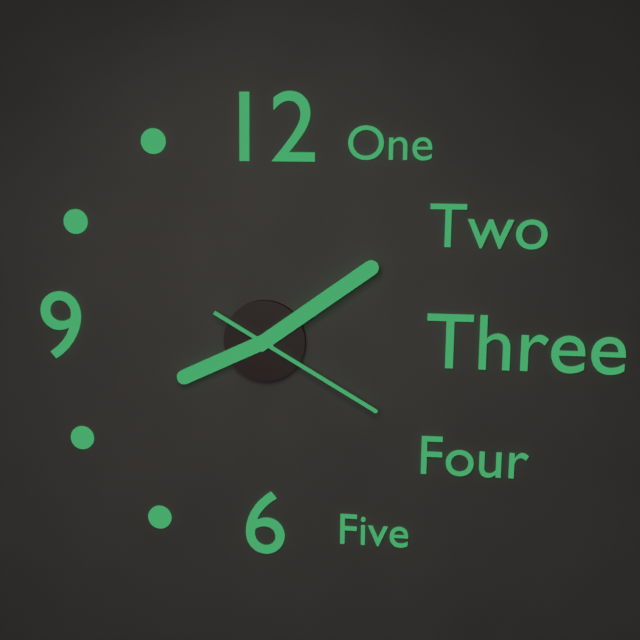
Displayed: 8h09m20s
